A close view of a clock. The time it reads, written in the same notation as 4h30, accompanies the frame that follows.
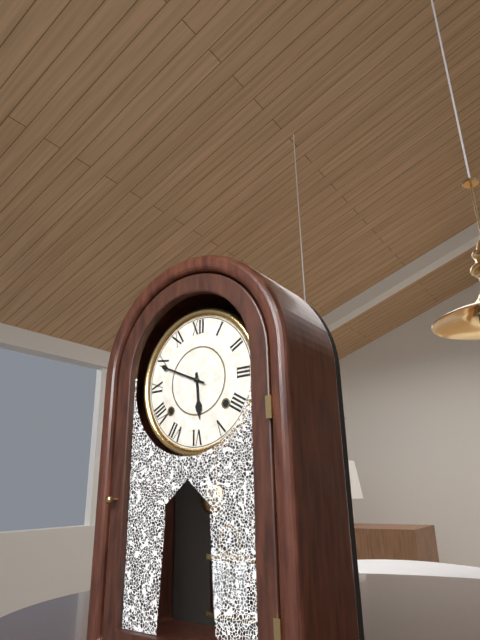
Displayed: 5h49
